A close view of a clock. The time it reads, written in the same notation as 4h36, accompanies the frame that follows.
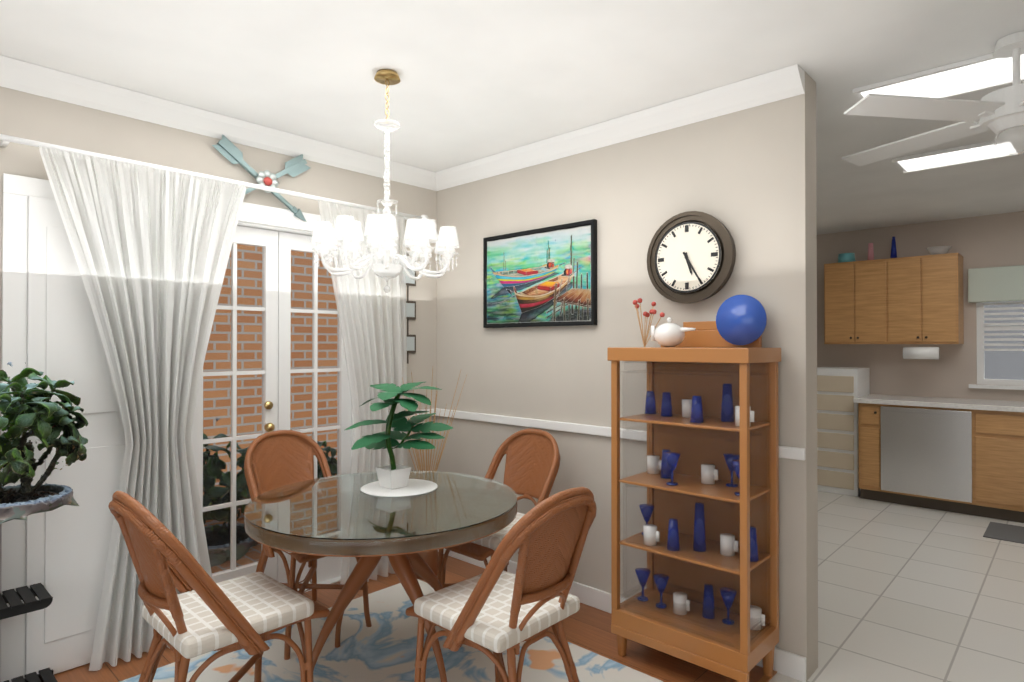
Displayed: 5h25
